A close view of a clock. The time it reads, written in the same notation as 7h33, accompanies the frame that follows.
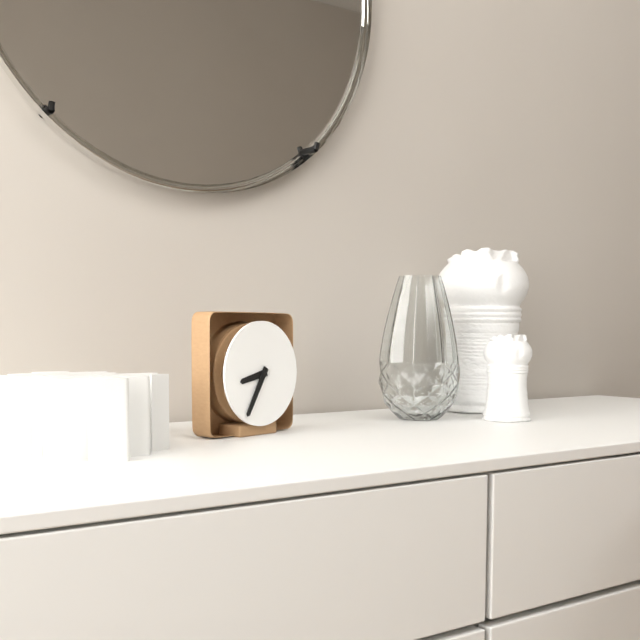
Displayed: 8h35
